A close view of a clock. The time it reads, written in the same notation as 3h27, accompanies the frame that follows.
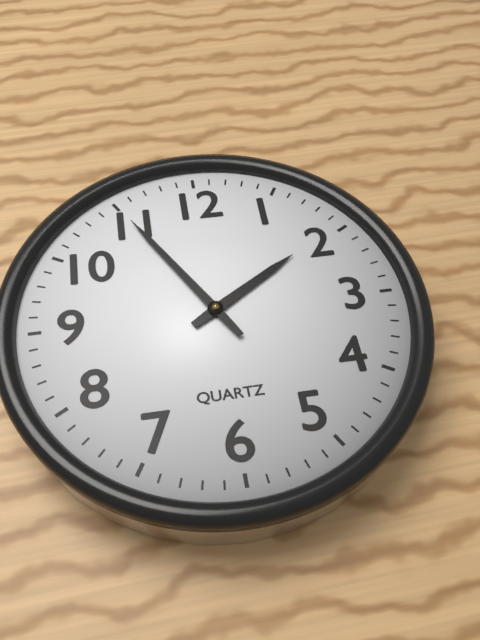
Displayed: 1h55
